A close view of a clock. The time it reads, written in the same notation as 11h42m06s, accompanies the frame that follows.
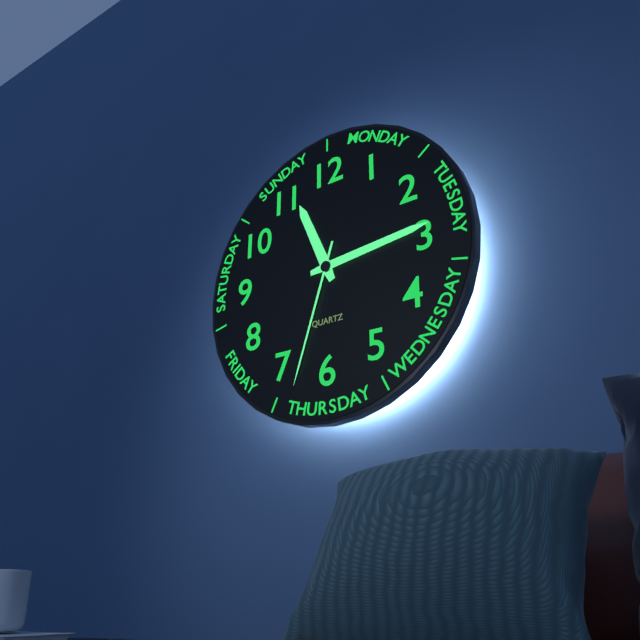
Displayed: 11h14m33s
